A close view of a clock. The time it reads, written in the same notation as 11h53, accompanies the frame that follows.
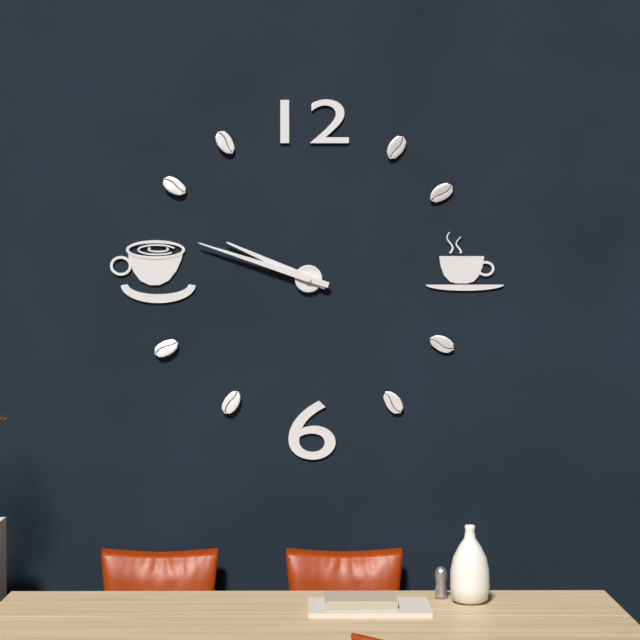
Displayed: 9h48
